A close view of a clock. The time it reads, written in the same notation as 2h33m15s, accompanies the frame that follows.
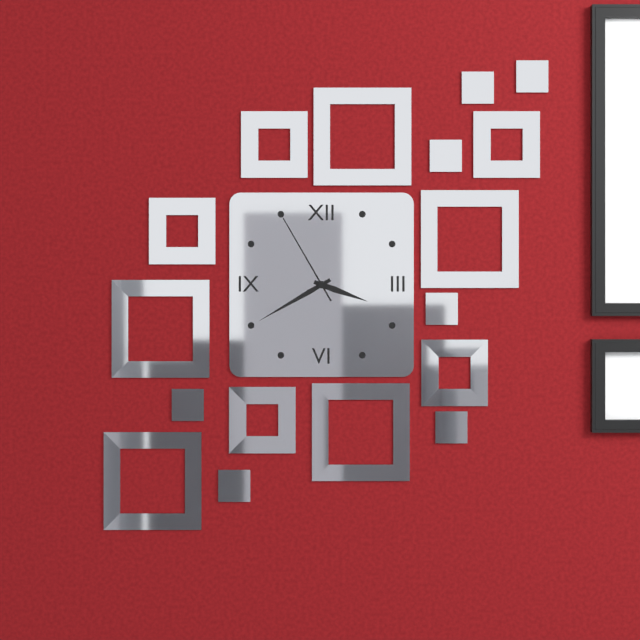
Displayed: 3h40m55s
